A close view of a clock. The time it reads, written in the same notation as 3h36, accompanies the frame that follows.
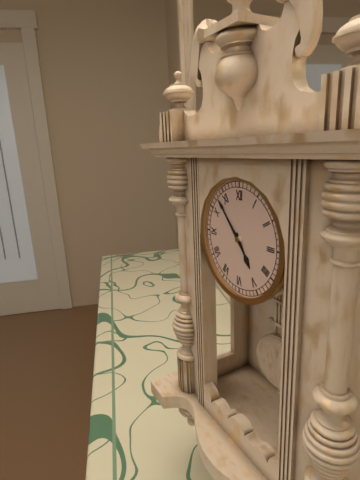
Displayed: 4h53
